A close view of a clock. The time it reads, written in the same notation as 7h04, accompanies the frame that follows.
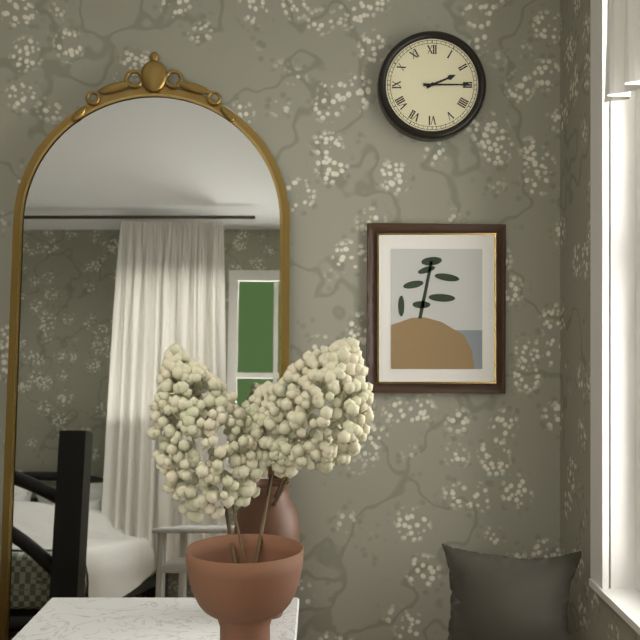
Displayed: 2h15
